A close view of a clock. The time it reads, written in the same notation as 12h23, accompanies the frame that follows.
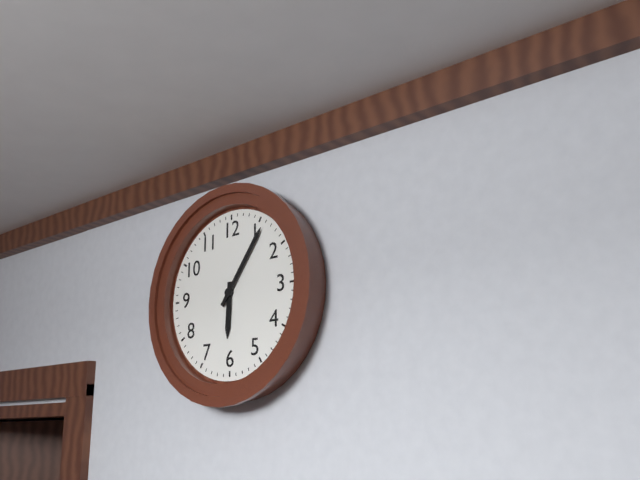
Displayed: 6h06
